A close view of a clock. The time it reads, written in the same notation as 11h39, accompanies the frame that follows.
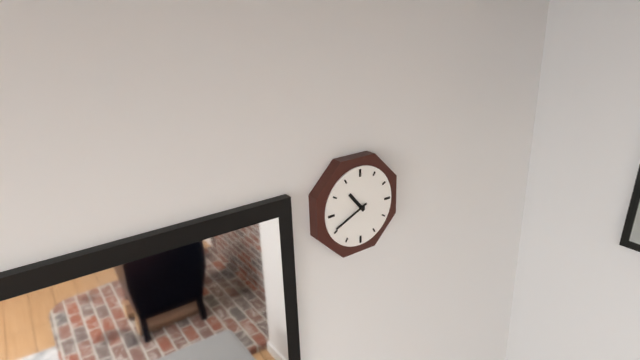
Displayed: 10h41
